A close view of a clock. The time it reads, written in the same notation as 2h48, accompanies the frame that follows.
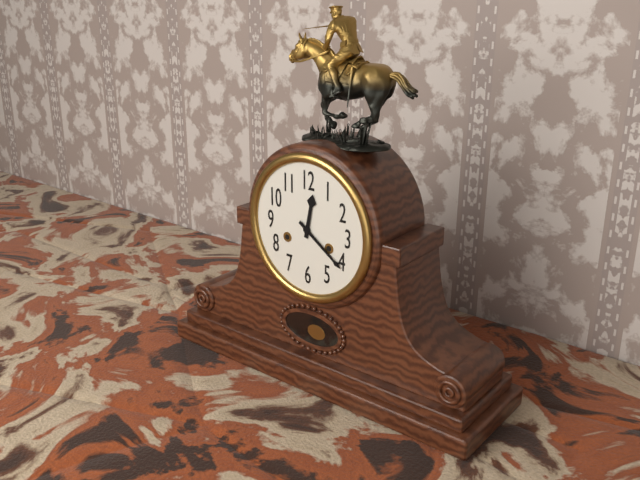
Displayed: 12h21
